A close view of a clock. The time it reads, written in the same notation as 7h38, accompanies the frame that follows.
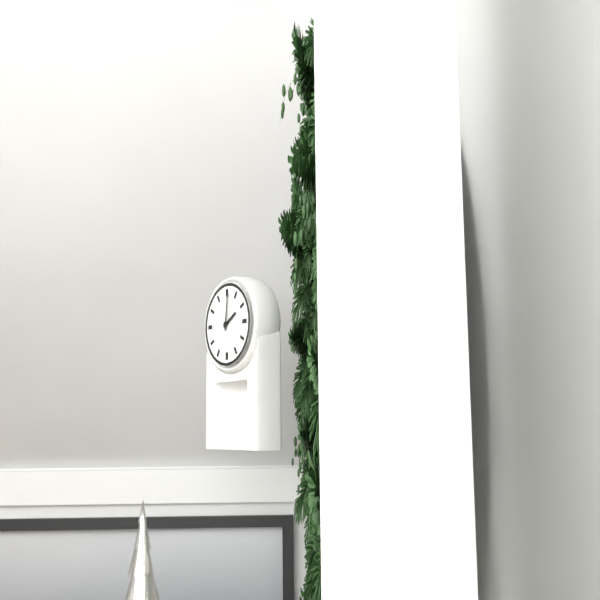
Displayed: 2h01
